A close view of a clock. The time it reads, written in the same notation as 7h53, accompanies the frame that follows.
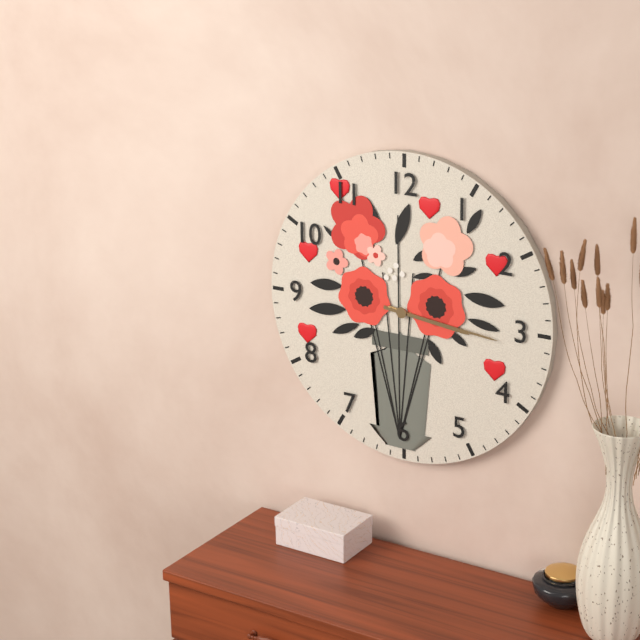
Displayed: 3h16
